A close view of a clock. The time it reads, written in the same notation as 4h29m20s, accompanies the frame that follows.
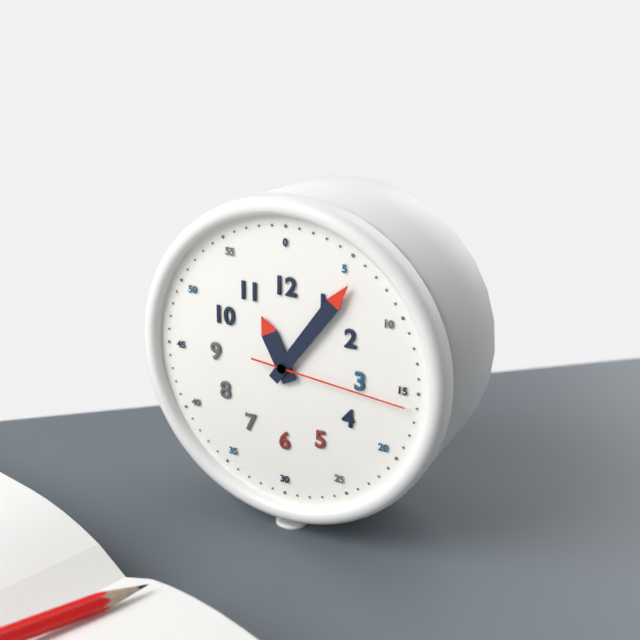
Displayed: 11h06m16s
